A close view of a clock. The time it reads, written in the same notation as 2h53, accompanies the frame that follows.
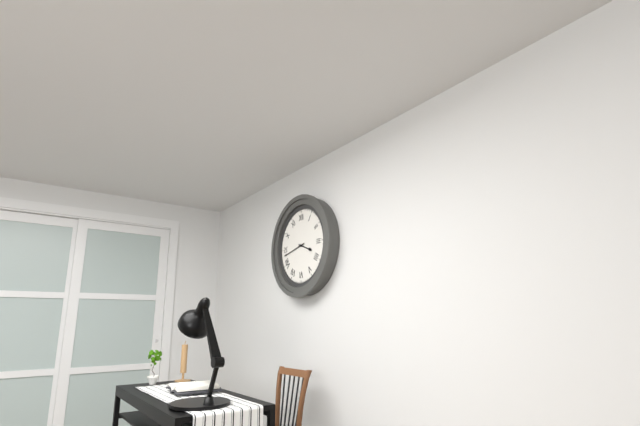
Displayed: 3h43
